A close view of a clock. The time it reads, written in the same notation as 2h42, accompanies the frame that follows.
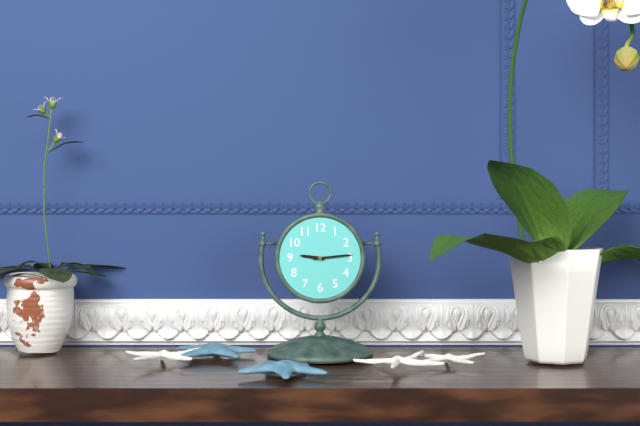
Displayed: 9h14
